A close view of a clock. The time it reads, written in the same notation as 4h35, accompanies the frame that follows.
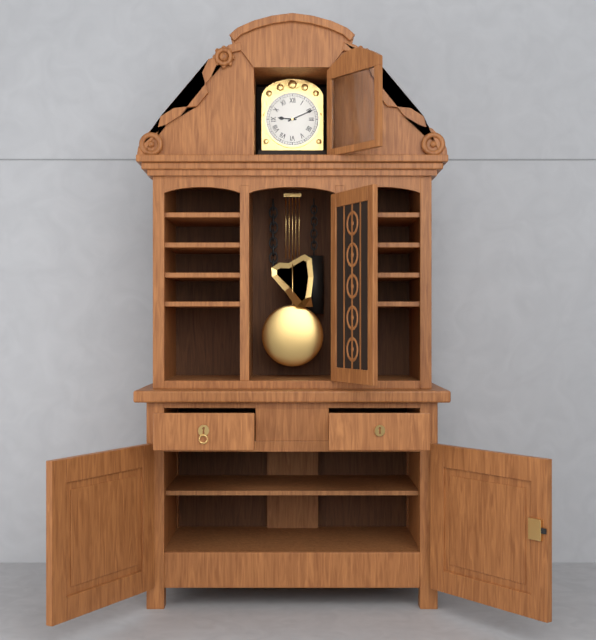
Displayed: 9h11
